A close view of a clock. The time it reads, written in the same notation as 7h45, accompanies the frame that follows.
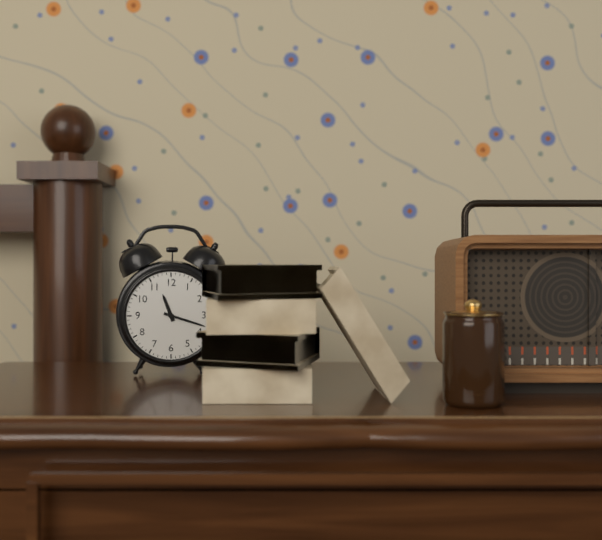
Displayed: 11h18
